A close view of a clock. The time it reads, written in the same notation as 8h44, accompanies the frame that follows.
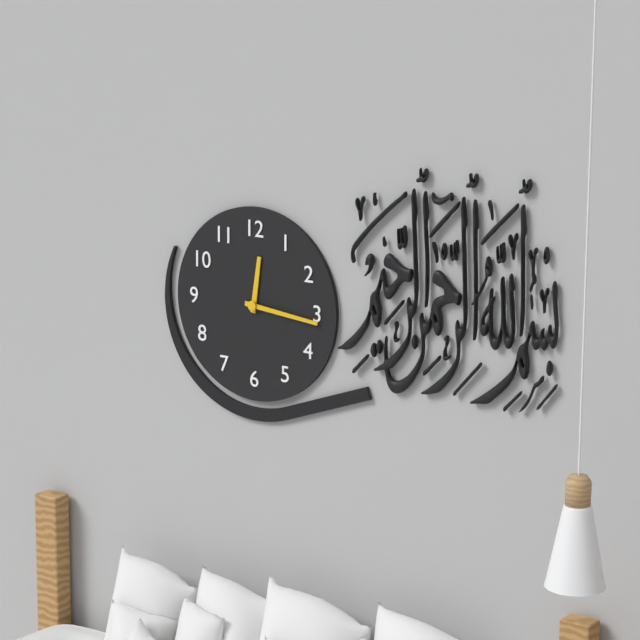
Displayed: 12h16
